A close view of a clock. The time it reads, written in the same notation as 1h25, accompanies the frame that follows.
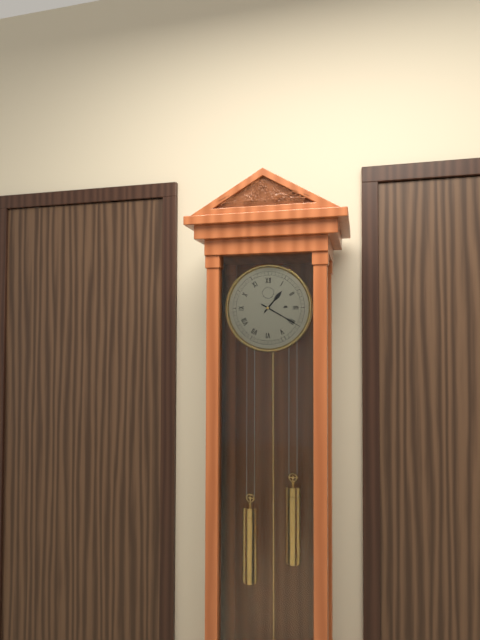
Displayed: 1h20
